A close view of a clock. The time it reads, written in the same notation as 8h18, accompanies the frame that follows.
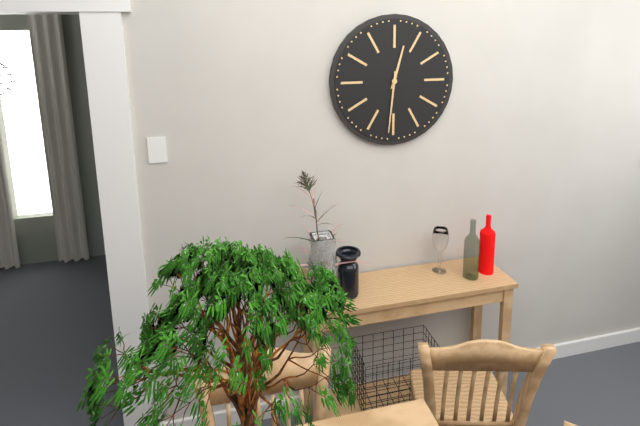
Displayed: 12h31
